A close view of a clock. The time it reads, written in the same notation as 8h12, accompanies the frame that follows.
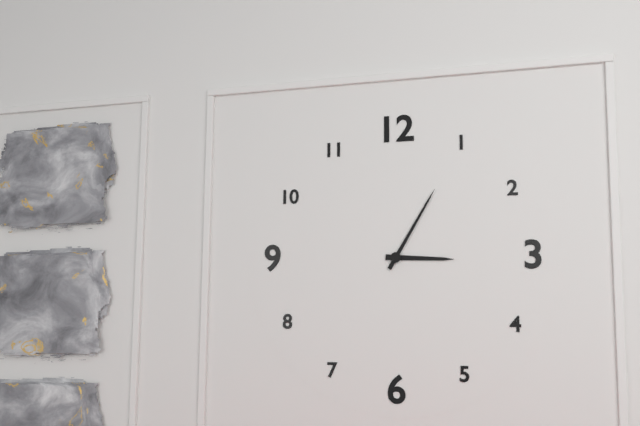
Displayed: 3h05
